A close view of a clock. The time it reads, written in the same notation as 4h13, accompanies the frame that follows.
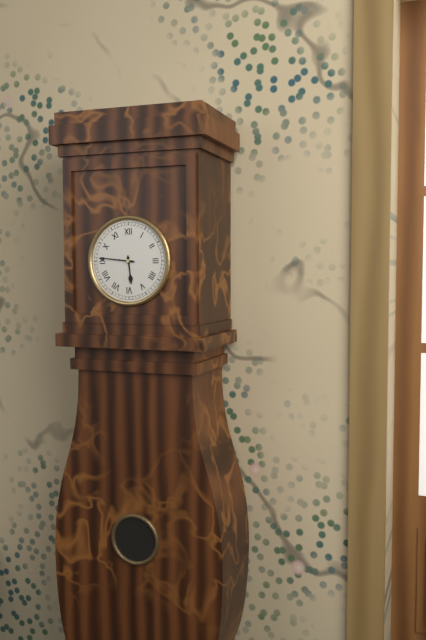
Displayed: 5h46
